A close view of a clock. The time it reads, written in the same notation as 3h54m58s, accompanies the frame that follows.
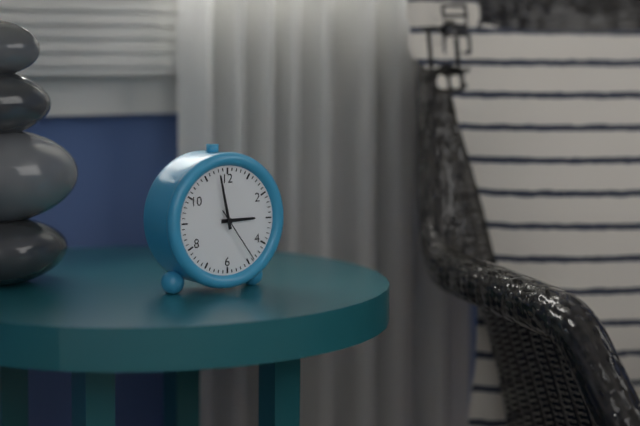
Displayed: 2h58m24s
